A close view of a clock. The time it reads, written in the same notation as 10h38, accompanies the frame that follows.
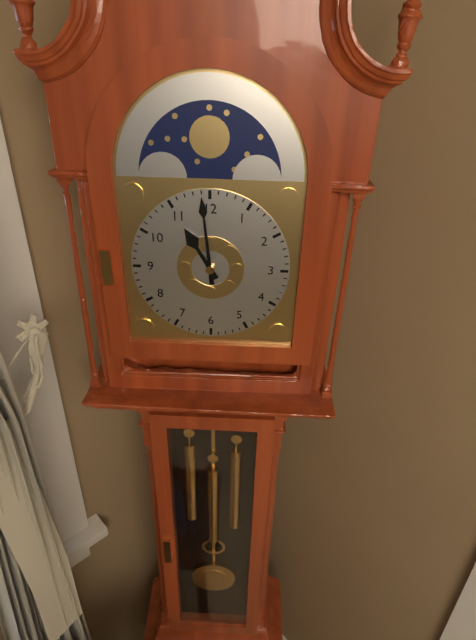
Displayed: 10h59
